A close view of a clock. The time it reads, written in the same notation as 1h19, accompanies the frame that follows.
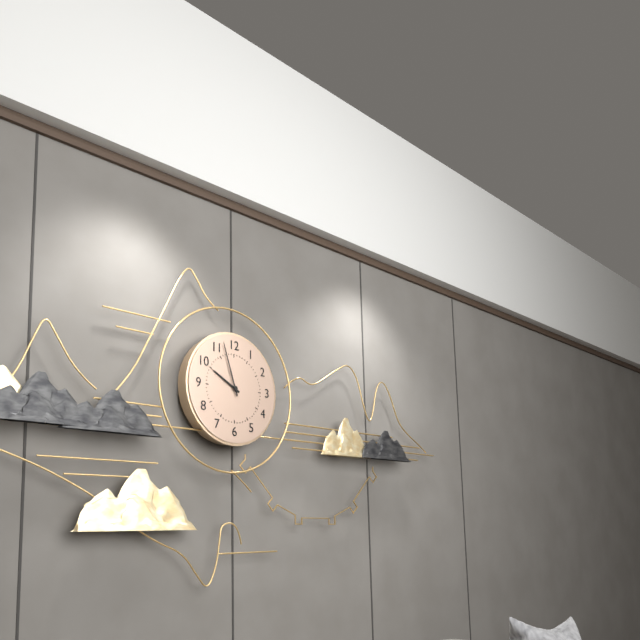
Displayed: 9h57
